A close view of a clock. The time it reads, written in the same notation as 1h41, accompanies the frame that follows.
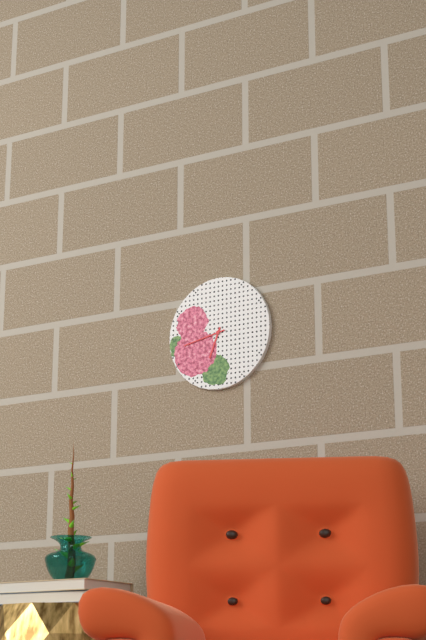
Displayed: 6h43
